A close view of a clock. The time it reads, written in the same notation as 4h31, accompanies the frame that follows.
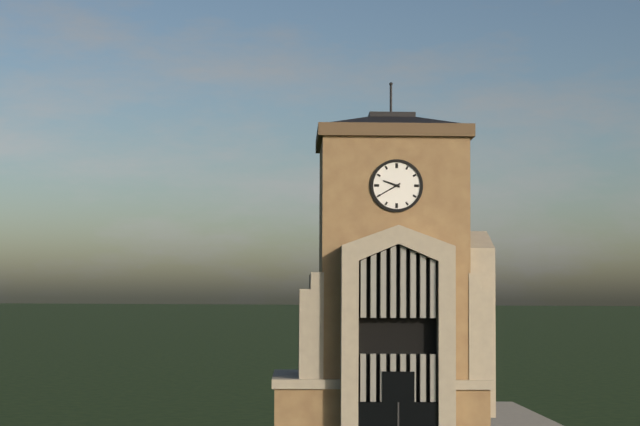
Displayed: 9h40
